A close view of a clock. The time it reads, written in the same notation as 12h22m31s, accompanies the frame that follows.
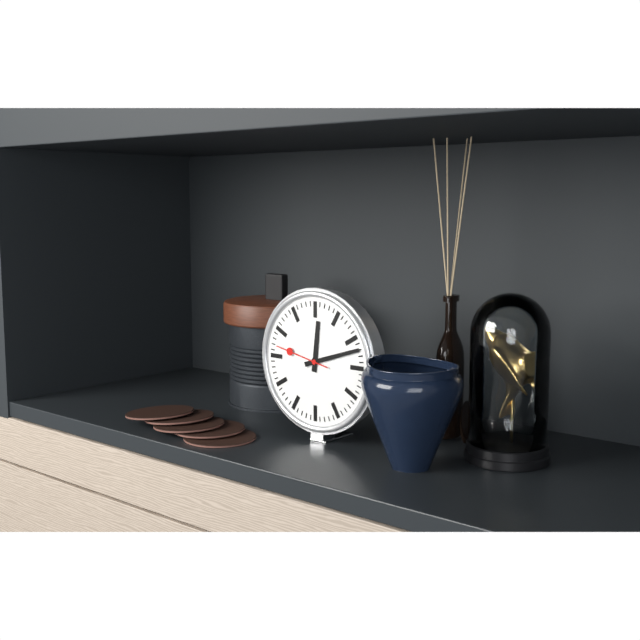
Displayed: 12h12m47s
